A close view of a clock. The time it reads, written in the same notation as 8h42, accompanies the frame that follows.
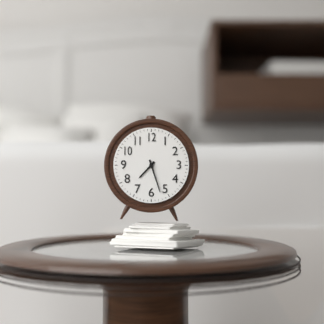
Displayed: 7h27
